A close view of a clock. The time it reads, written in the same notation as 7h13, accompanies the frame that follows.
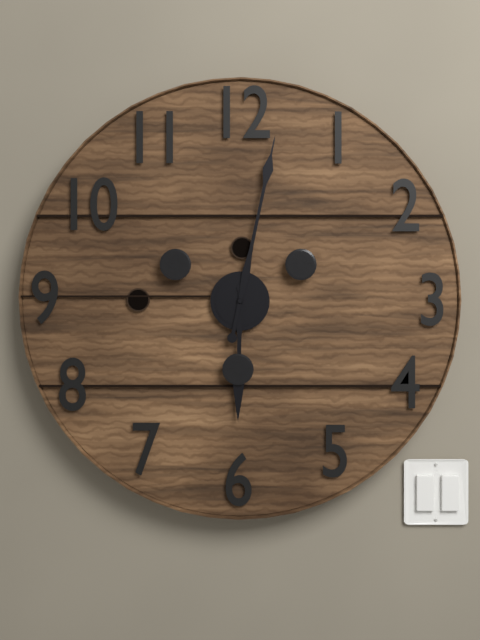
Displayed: 6h02
